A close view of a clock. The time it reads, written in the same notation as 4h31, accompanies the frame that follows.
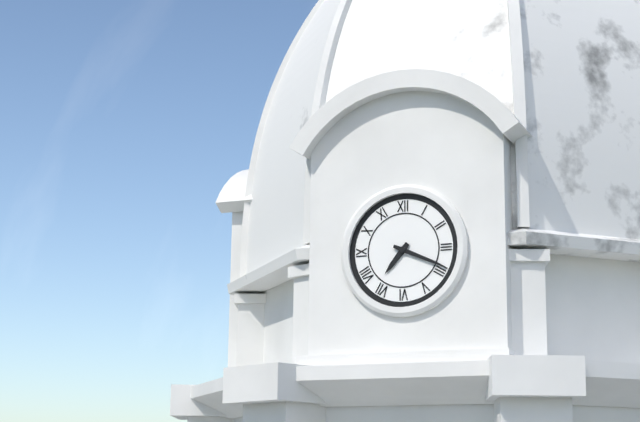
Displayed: 7h19
